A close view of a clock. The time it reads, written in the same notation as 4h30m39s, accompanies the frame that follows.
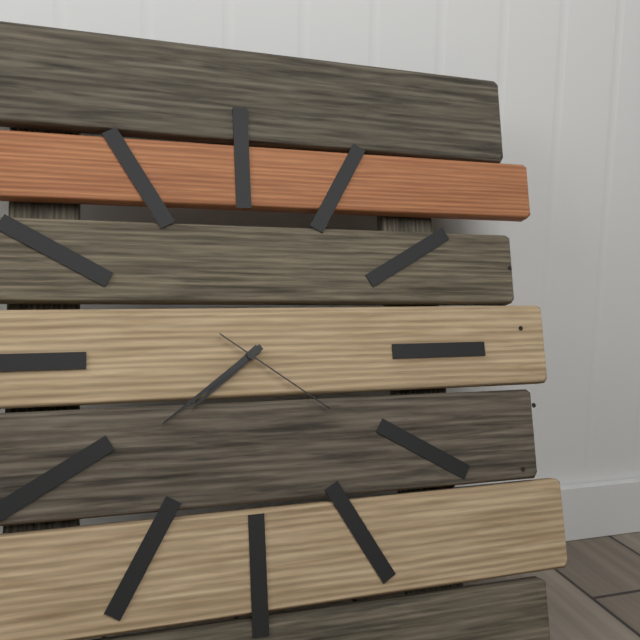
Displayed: 7h39m21s
